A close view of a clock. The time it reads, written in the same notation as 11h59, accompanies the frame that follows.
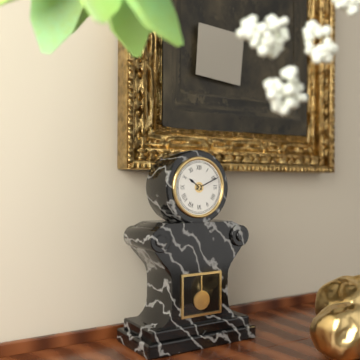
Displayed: 10h11
